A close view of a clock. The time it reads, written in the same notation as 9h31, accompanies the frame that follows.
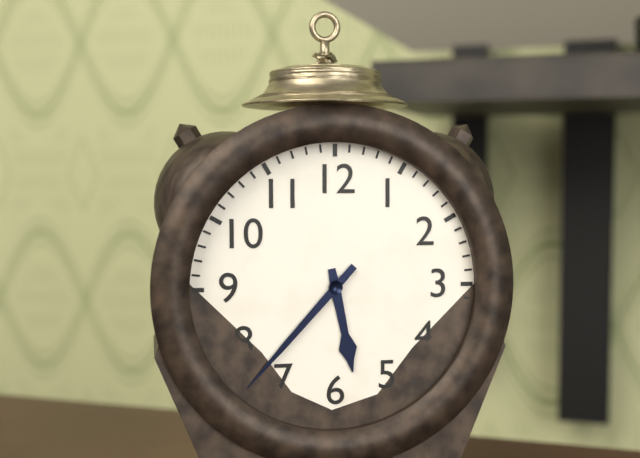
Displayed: 5h37
